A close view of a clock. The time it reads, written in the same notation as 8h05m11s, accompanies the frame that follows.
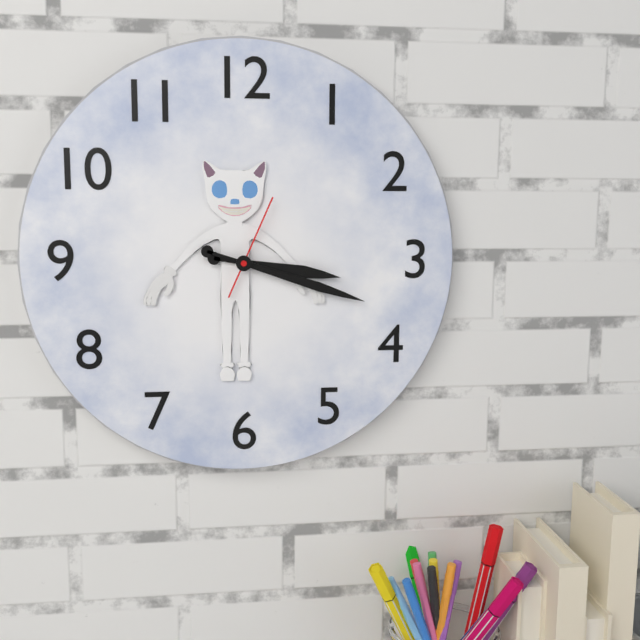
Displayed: 3h18m04s
